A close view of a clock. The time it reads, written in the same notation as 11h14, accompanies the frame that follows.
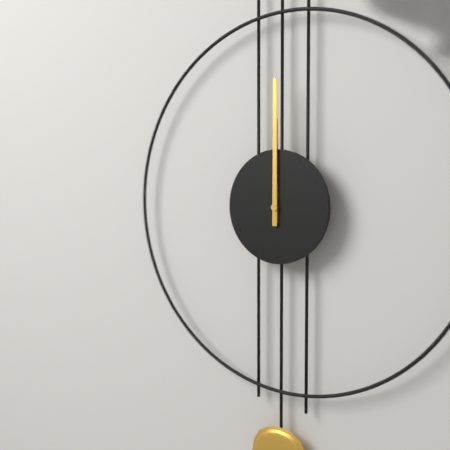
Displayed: 12h00
